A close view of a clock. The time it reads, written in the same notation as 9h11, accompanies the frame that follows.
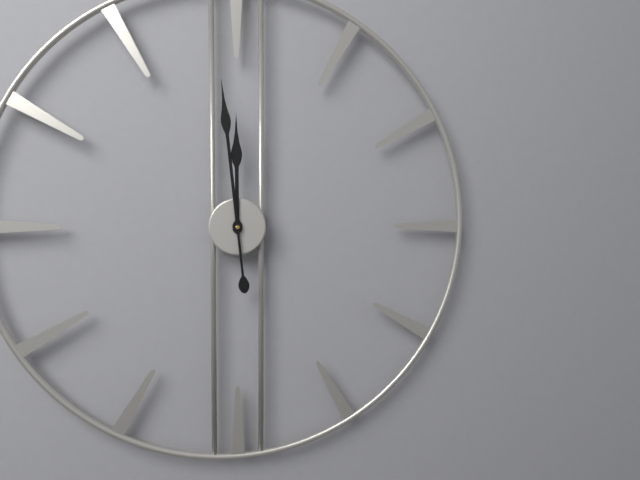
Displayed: 11h59
